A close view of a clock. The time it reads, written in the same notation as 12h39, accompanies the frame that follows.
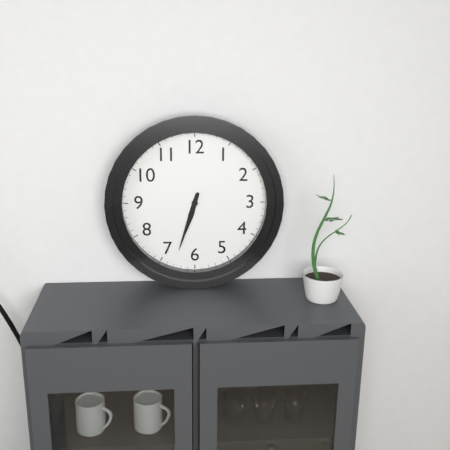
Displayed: 6h33
